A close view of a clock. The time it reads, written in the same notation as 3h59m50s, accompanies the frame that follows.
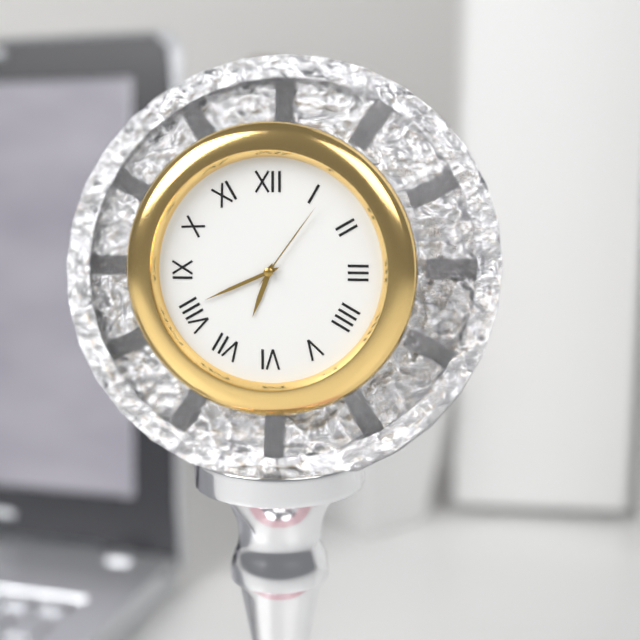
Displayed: 6h41m06s
